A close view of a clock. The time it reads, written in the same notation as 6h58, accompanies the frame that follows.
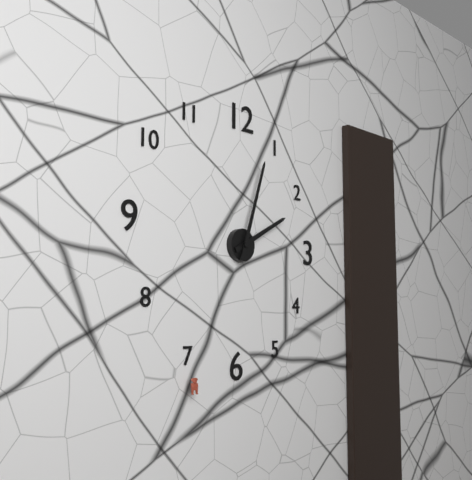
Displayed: 2h03
